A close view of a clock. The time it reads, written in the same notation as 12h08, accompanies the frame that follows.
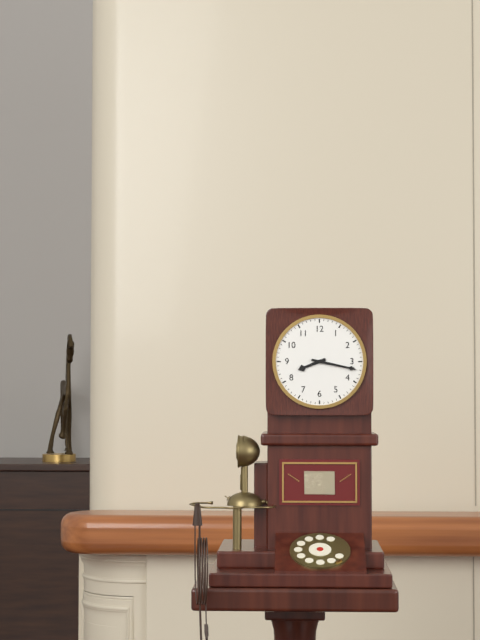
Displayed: 8h17
